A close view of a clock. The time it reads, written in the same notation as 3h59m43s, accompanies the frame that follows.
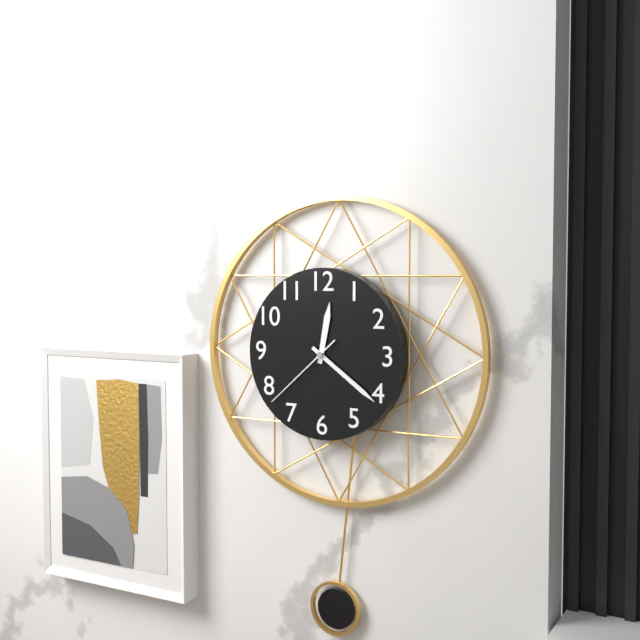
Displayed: 12h21m38s
